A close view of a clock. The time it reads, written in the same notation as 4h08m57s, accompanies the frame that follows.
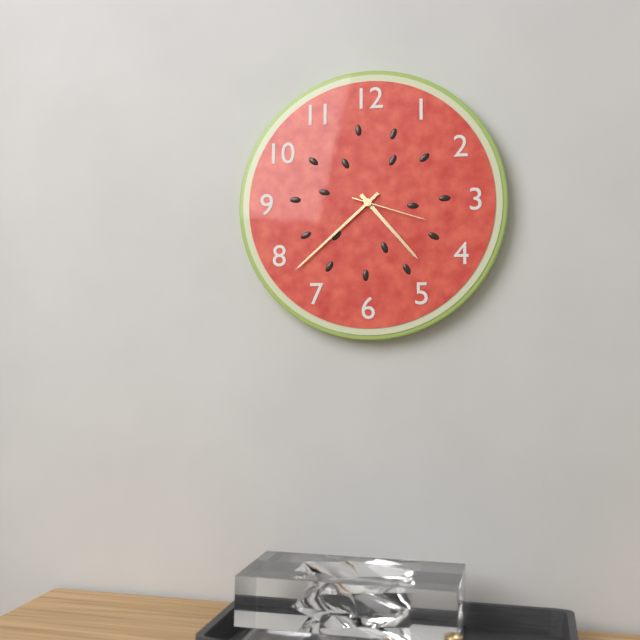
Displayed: 4h38m18s
